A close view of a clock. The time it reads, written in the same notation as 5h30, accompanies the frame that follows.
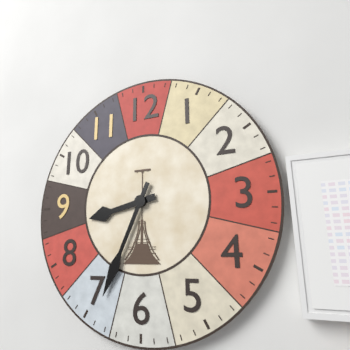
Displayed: 8h34
